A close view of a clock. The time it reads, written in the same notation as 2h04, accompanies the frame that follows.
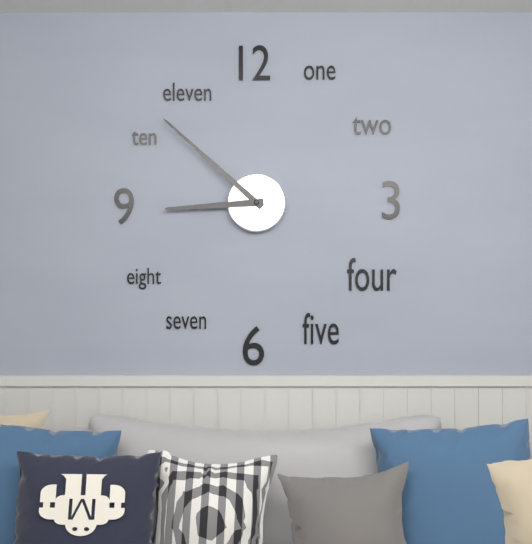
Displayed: 8h52
